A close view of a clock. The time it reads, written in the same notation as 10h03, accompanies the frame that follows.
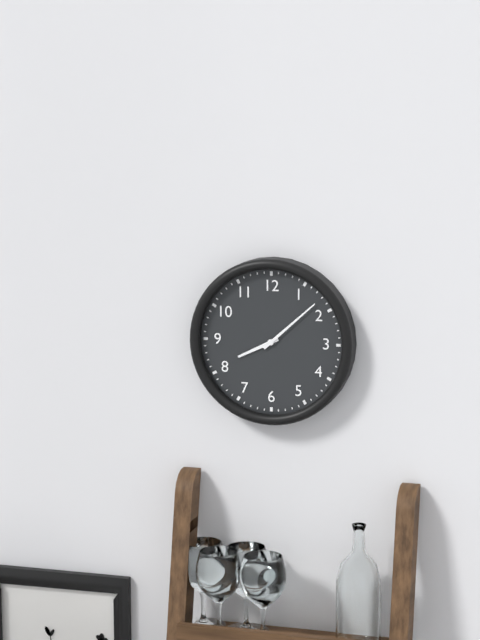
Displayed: 8h08
